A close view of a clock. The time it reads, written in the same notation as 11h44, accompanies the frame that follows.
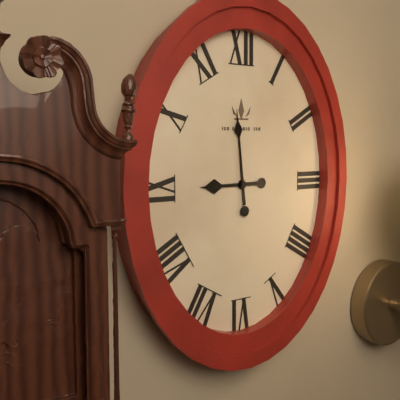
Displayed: 8h59
